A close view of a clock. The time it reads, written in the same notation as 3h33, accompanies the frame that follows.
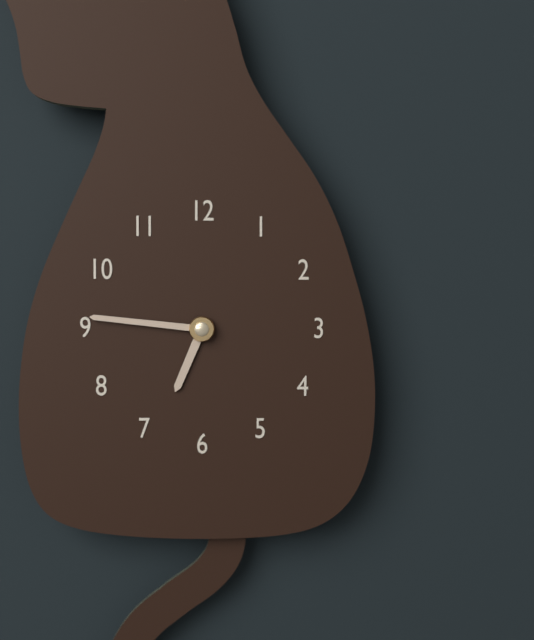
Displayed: 6h46
